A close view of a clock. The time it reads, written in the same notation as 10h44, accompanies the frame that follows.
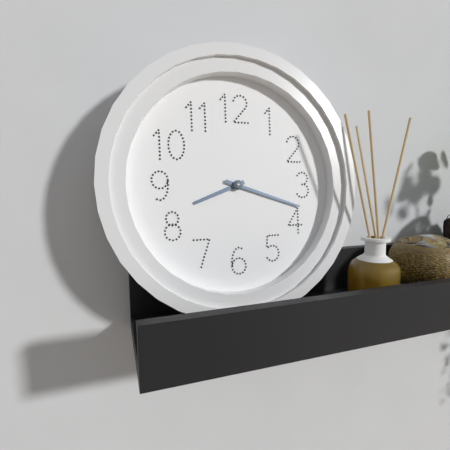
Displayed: 8h18
